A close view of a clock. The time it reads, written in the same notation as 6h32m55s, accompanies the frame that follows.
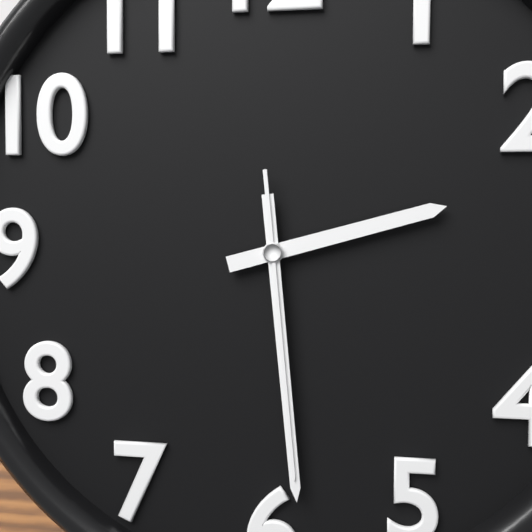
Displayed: 2h29m29s
